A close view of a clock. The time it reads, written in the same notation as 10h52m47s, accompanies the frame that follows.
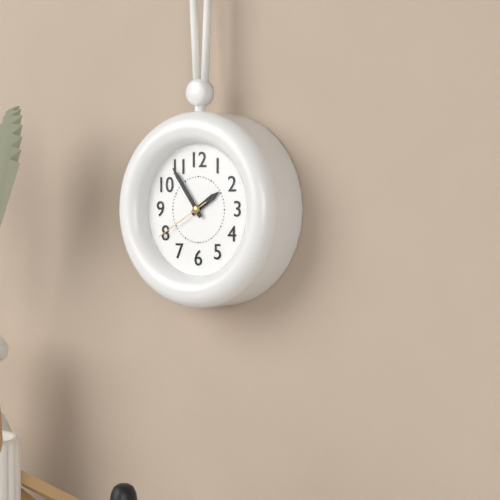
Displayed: 1h54m40s
